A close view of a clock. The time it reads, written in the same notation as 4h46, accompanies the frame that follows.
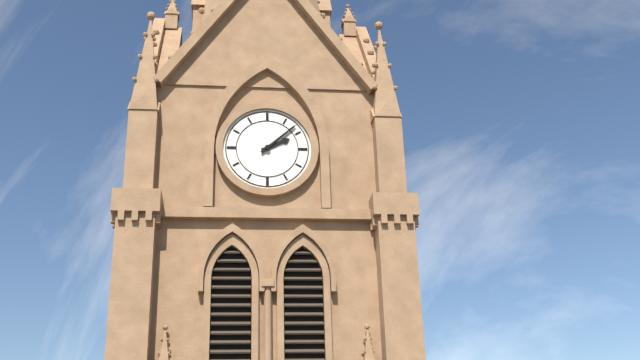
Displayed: 2h08
